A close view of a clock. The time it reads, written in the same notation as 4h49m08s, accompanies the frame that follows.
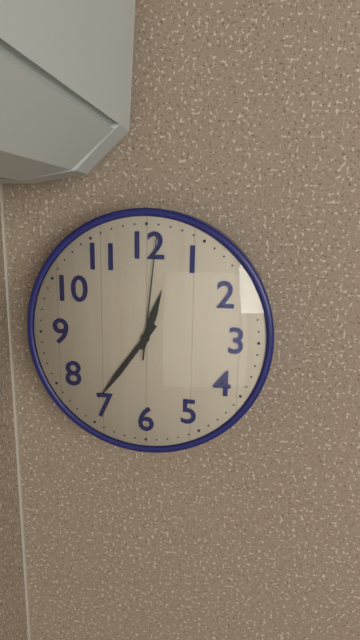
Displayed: 12h36m01s
